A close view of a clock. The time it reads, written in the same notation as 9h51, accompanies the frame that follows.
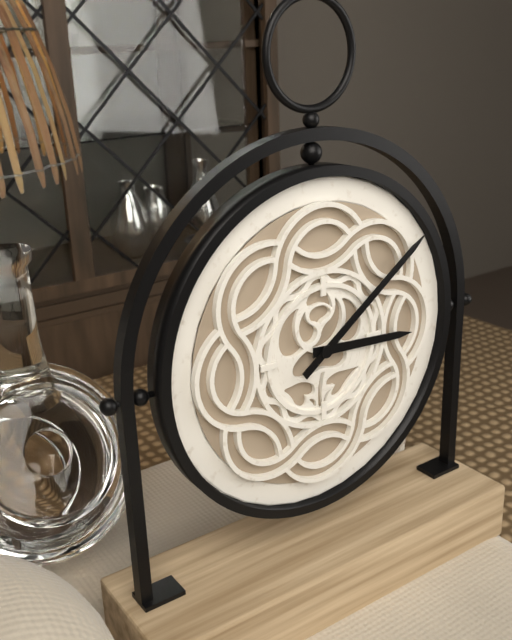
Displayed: 3h09
